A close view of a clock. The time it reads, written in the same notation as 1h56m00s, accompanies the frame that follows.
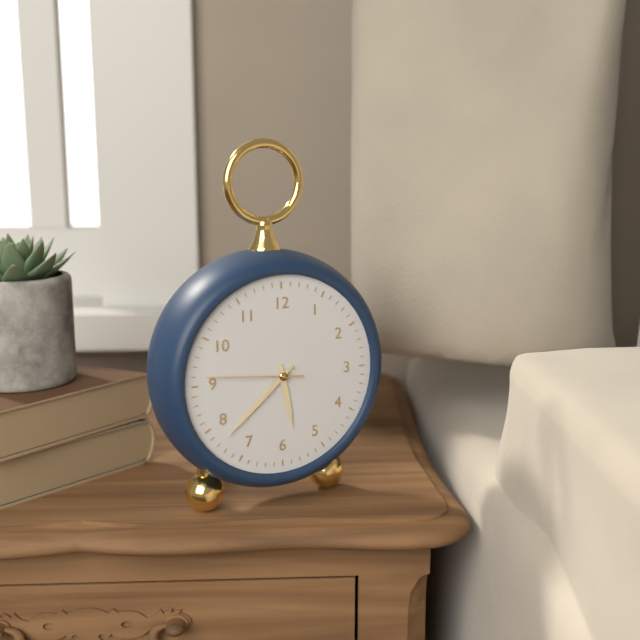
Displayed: 5h38m46s
